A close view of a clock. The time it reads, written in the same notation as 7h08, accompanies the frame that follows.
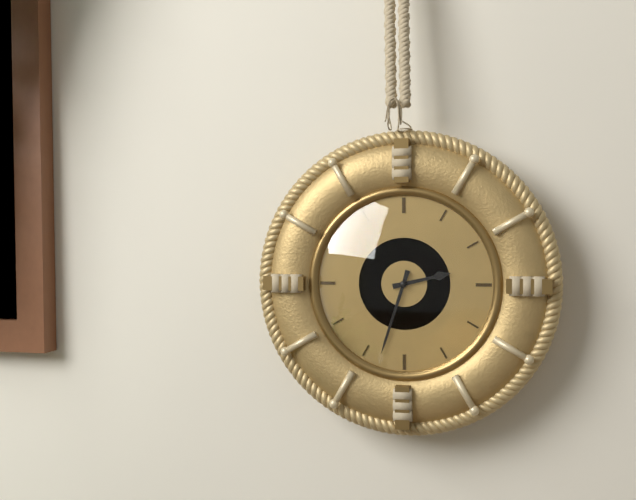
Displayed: 2h33
